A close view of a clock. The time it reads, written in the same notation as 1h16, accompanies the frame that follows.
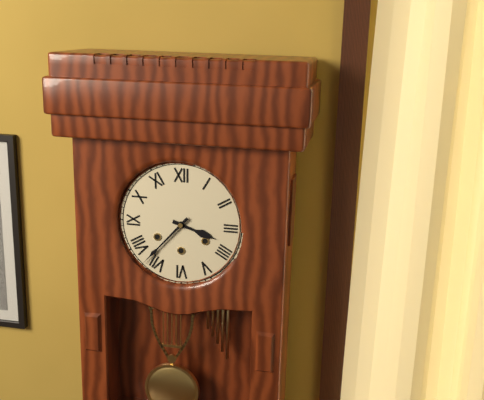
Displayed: 3h37
